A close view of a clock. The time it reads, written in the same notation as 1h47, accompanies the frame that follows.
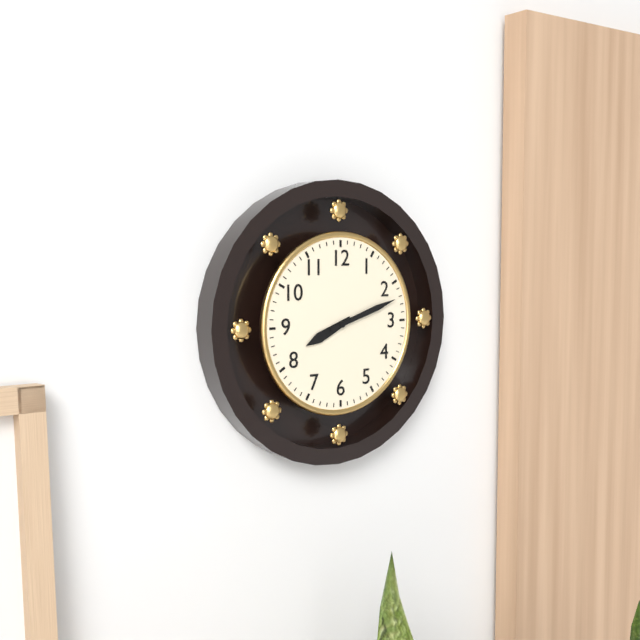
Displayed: 8h12
